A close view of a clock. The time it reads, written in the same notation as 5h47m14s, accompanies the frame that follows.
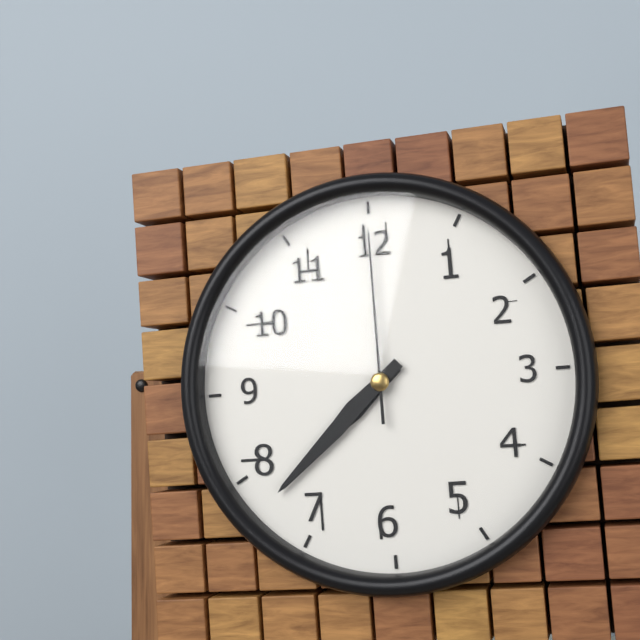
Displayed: 7h38m00s
